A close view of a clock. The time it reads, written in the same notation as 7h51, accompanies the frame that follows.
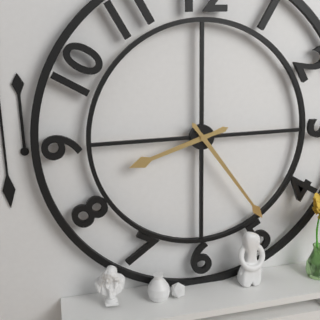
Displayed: 8h24
